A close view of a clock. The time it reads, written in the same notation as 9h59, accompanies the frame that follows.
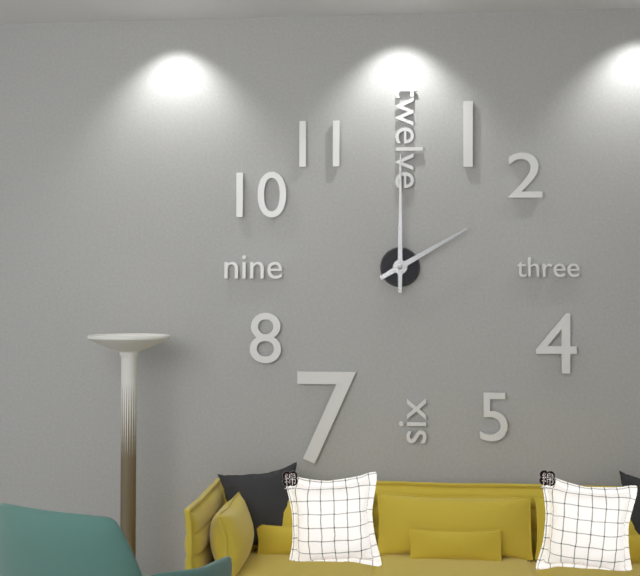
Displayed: 2h00
